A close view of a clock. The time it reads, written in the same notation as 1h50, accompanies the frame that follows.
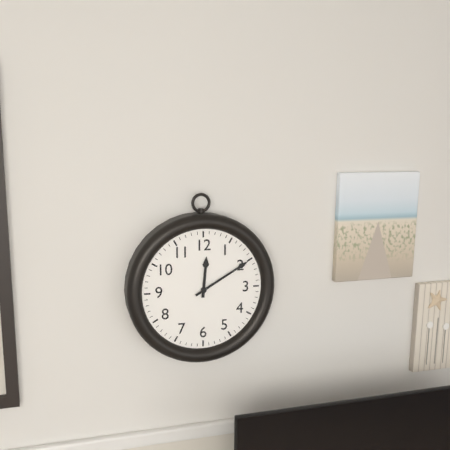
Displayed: 12h10
